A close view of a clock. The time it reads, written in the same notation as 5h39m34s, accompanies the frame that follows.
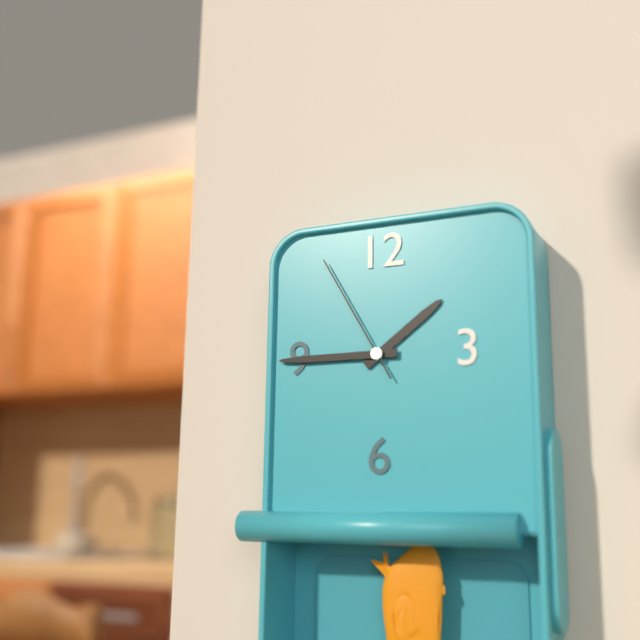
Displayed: 1h45m55s
